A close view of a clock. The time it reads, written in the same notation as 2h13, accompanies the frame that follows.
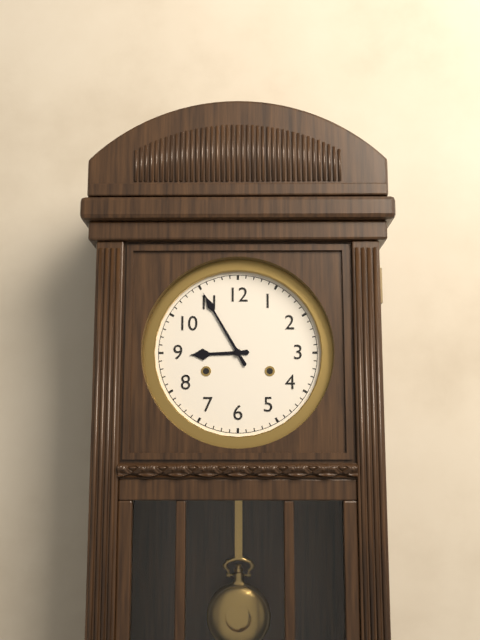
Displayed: 8h55
